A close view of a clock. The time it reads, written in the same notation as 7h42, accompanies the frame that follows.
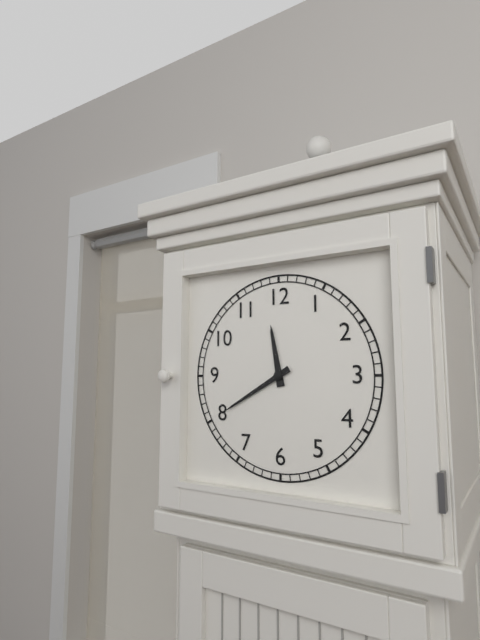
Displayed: 11h40
